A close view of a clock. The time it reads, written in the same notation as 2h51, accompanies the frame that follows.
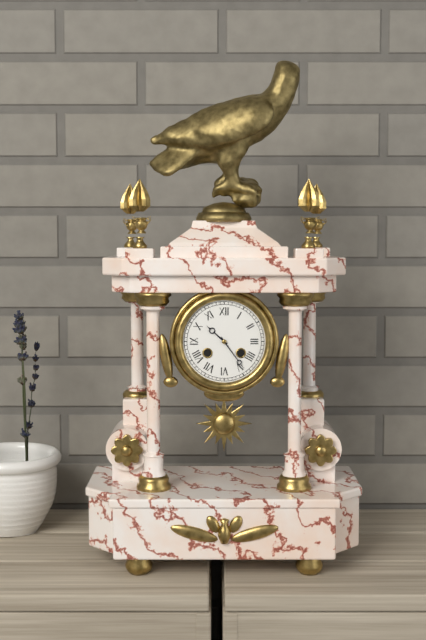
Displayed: 10h24
